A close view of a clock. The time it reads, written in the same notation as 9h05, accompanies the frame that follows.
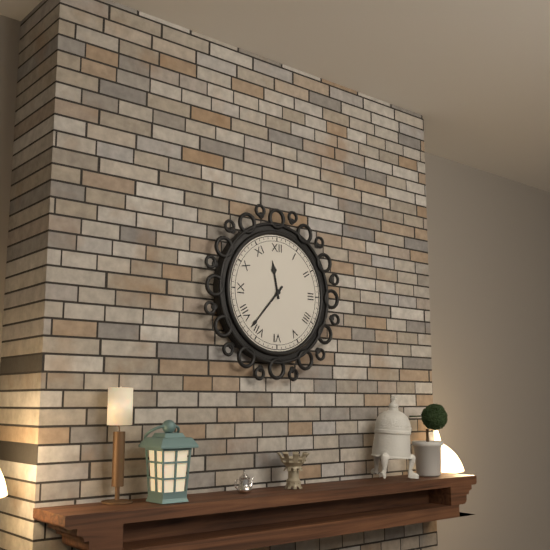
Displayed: 11h37
